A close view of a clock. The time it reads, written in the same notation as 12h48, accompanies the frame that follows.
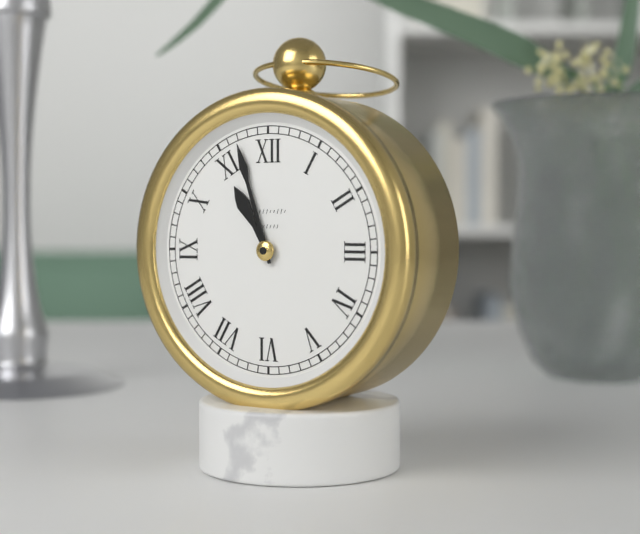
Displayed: 10h57
